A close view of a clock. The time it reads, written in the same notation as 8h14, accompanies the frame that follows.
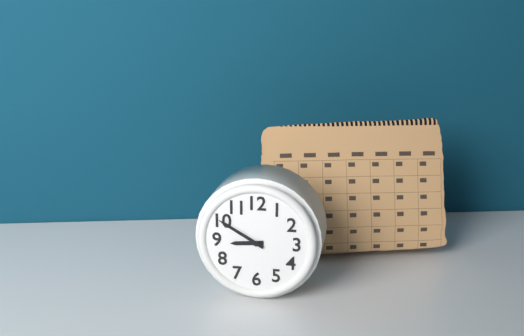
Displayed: 8h50
